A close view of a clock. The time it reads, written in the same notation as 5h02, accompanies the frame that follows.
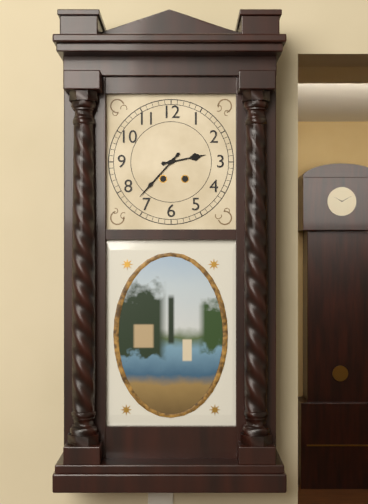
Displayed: 2h37
